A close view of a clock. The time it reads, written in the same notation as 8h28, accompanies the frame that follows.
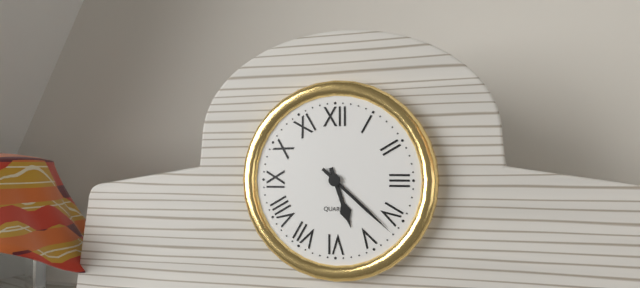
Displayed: 5h22
